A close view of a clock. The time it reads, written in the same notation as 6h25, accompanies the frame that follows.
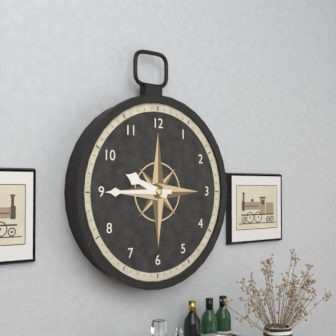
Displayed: 9h45
